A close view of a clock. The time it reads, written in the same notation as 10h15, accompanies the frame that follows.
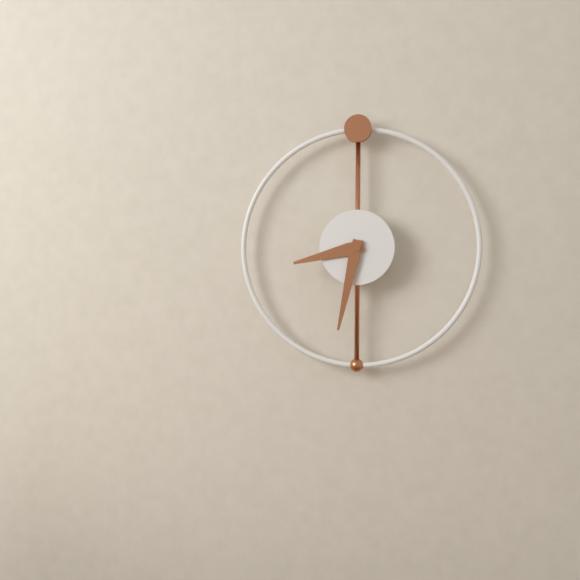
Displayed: 8h32
